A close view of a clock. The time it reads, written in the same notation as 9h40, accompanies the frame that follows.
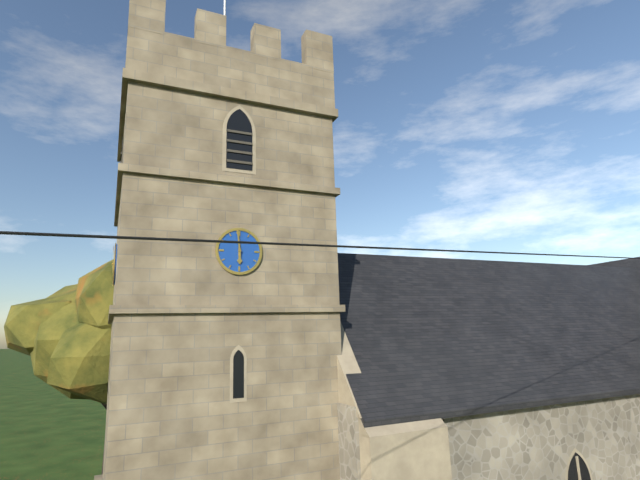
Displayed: 5h59
